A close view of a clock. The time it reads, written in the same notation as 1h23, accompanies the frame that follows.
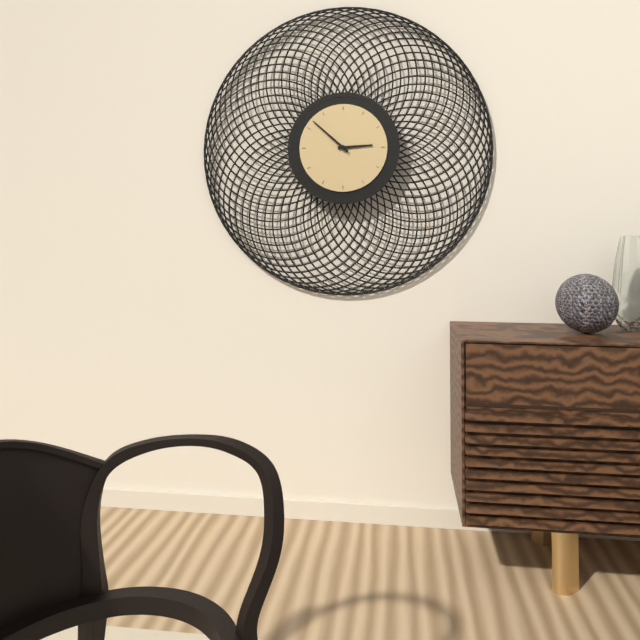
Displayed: 2h52
